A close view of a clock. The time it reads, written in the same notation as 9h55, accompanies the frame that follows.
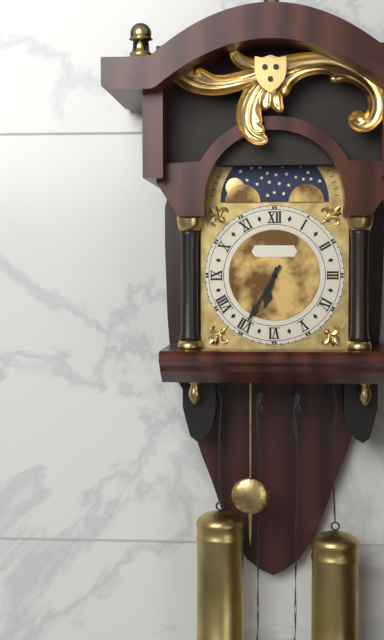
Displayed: 6h35
